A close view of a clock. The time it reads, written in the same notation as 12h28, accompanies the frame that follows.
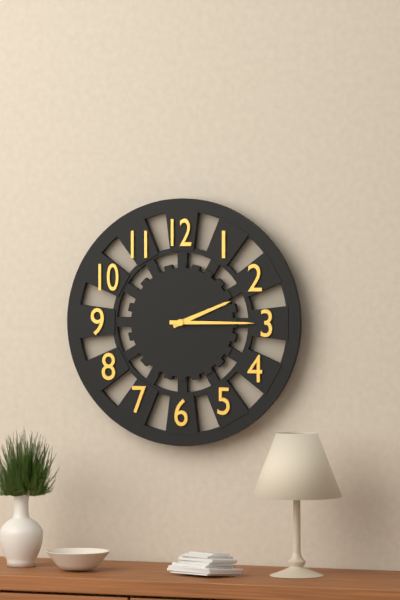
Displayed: 2h15
